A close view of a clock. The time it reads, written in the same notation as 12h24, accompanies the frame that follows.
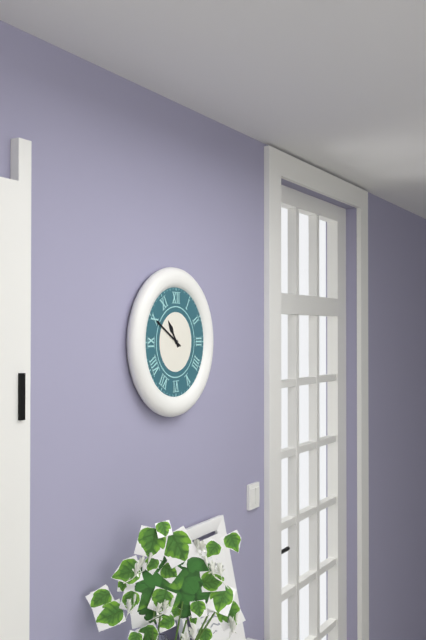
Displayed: 10h50
